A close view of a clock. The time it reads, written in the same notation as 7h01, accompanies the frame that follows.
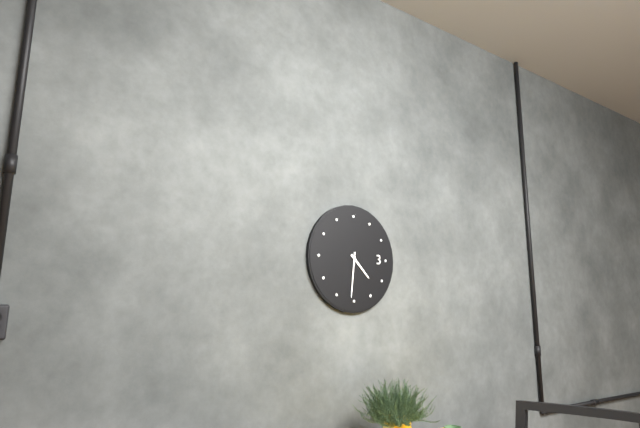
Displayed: 4h31
